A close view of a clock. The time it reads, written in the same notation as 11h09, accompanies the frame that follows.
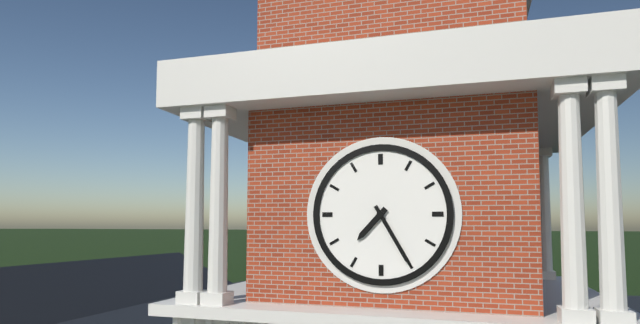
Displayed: 7h25
